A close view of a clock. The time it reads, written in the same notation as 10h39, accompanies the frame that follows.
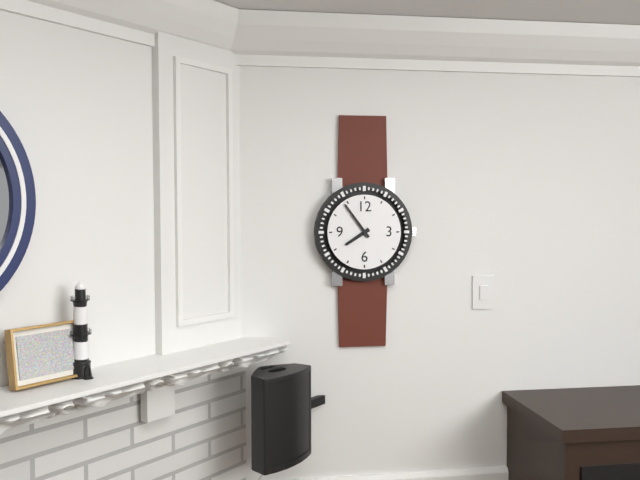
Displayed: 7h54
